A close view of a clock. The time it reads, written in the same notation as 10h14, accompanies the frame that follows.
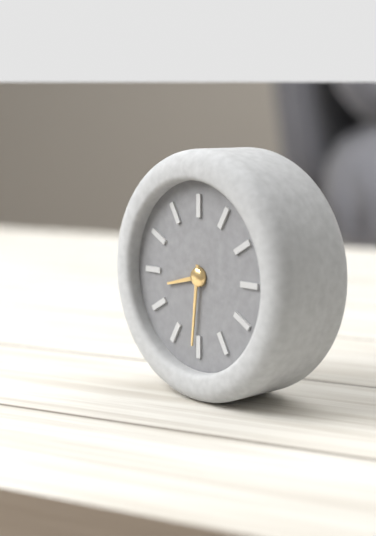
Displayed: 8h31
